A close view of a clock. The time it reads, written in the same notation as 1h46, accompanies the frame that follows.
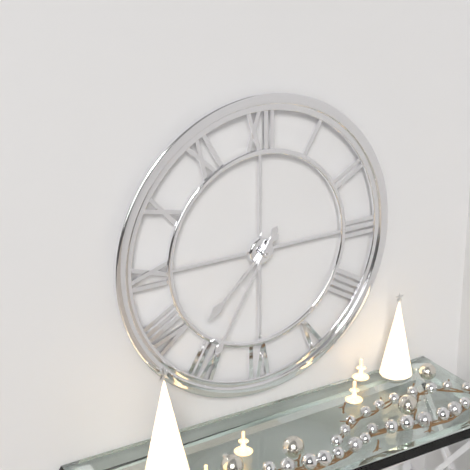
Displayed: 7h35
